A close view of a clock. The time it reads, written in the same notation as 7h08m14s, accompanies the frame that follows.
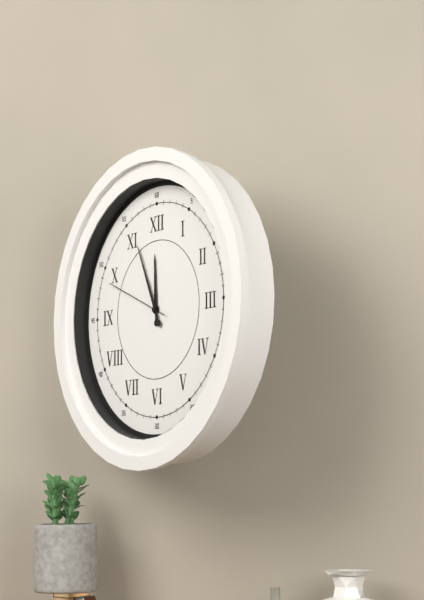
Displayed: 11h56m49s
